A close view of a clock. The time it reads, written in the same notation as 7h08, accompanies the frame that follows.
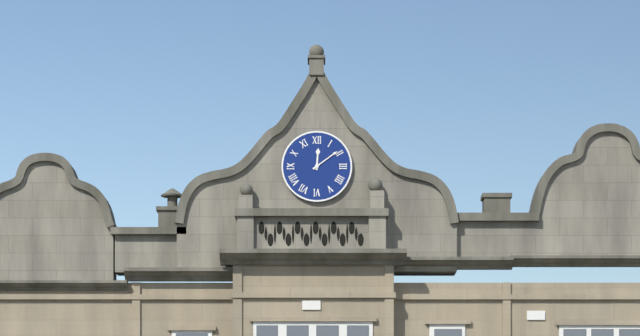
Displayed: 12h09
